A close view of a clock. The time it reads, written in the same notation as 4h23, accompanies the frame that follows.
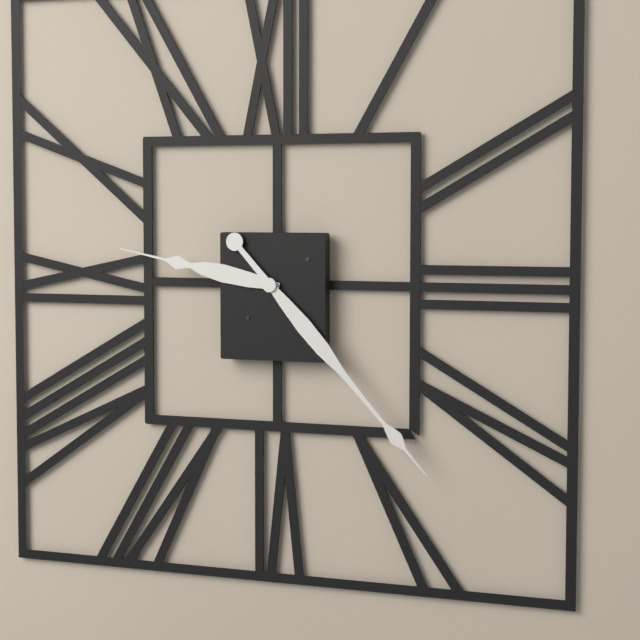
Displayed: 9h23
